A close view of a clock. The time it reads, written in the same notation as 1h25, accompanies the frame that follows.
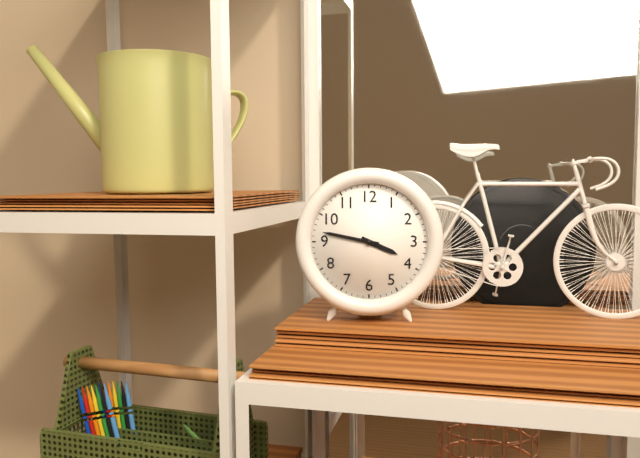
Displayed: 3h47
